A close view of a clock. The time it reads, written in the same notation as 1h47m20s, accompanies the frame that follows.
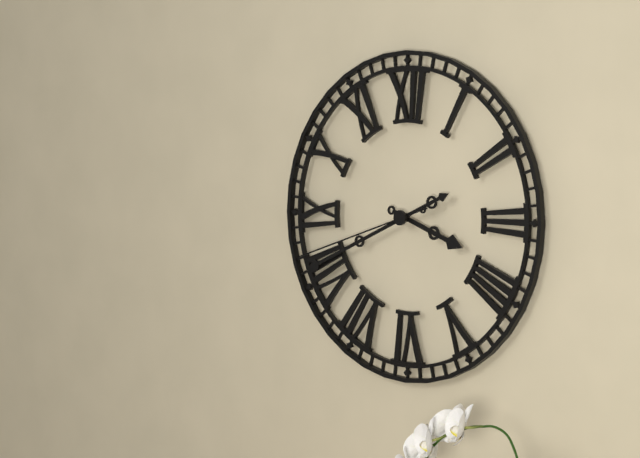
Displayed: 3h41m42s
